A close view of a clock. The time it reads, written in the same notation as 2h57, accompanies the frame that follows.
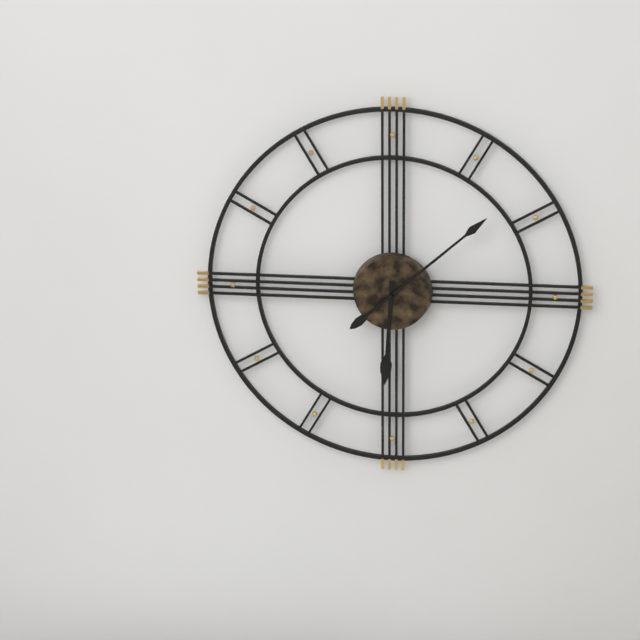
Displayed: 6h08
